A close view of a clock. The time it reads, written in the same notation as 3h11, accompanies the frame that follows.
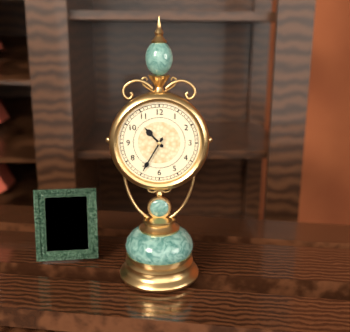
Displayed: 10h35
